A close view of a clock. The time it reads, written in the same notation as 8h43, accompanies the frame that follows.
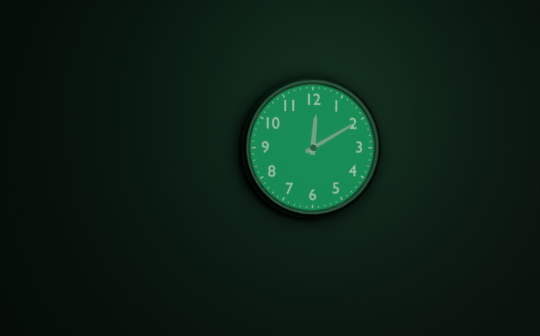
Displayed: 12h10
